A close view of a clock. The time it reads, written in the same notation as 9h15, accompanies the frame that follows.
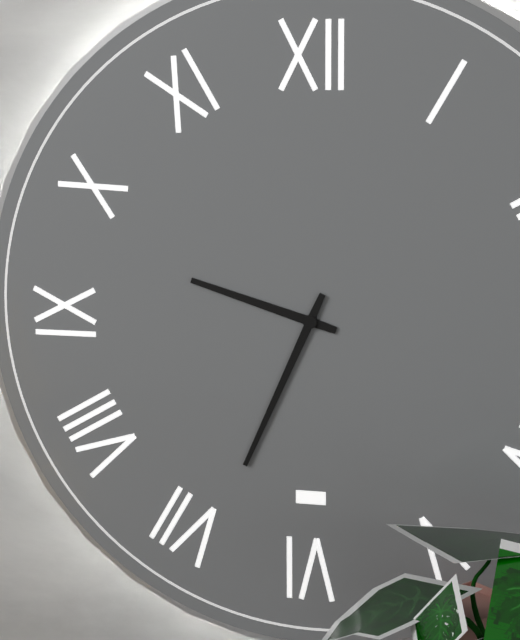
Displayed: 9h34
